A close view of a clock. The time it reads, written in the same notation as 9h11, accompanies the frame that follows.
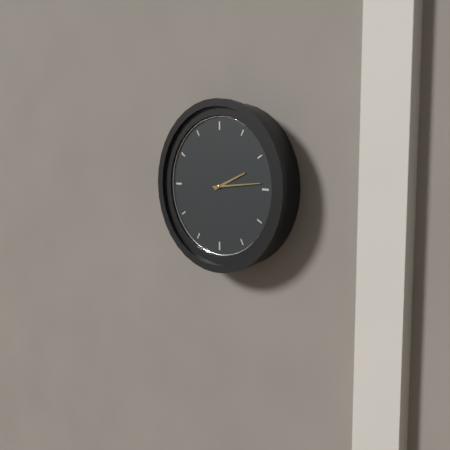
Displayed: 2h14
